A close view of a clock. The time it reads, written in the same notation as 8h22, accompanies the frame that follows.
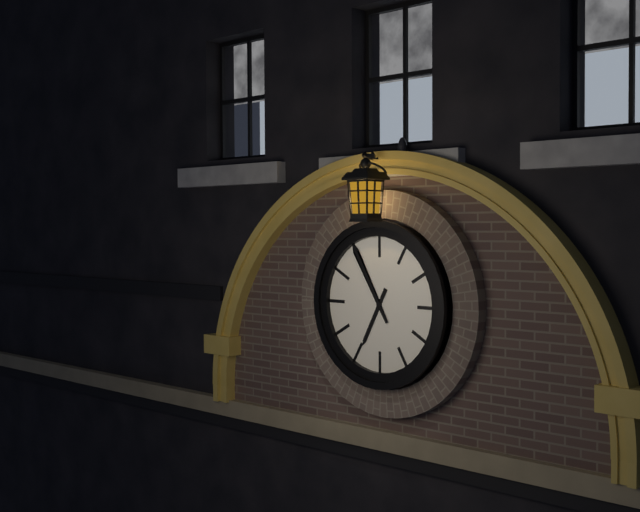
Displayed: 6h55
